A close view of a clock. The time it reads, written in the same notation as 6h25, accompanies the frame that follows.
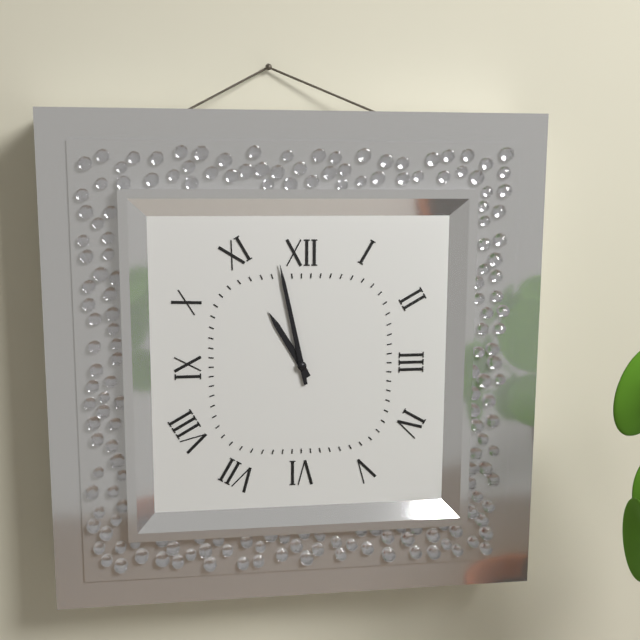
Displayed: 10h58
